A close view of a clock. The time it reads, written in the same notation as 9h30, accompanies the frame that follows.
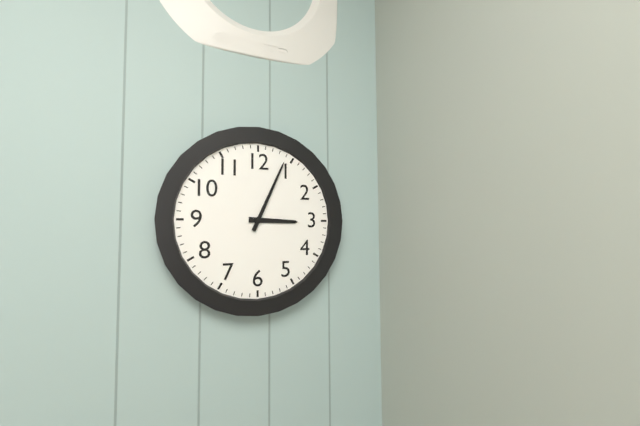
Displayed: 3h04
